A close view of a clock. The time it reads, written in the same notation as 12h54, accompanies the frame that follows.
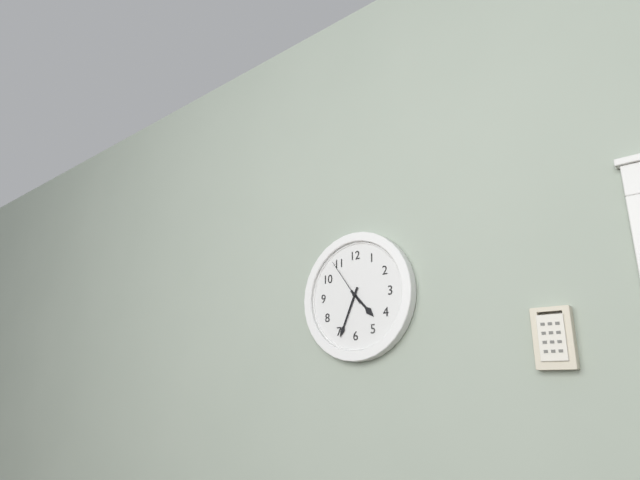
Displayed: 4h34
